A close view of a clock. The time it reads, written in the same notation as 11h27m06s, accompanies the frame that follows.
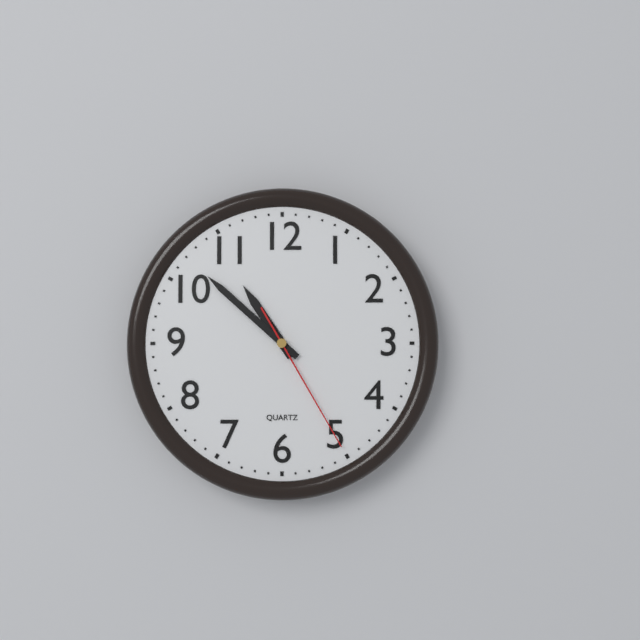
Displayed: 10h52m25s
